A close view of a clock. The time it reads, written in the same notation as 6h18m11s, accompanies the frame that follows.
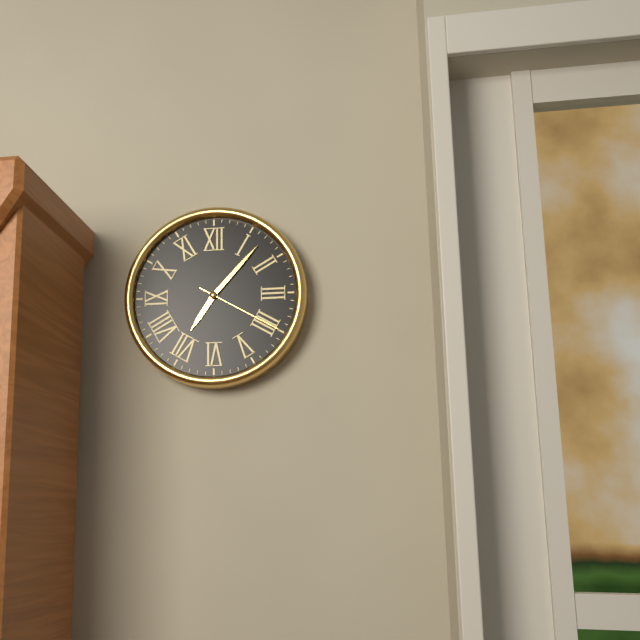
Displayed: 7h07m20s
